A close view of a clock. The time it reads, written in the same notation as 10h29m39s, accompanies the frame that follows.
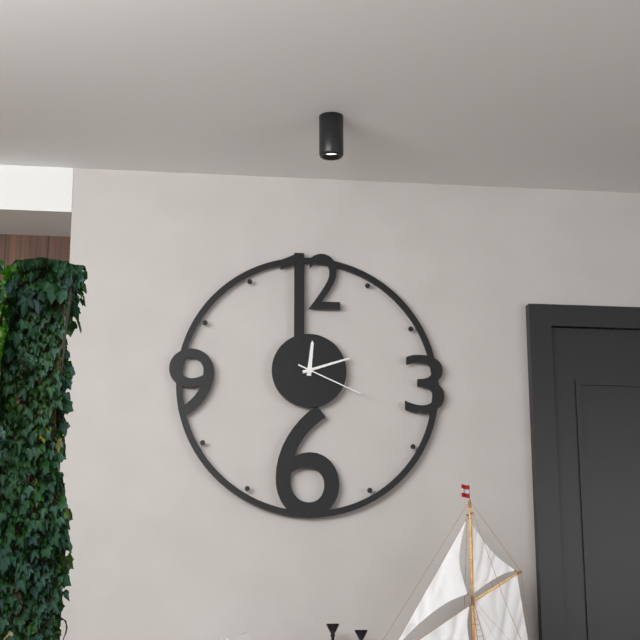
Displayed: 12h12m19s
